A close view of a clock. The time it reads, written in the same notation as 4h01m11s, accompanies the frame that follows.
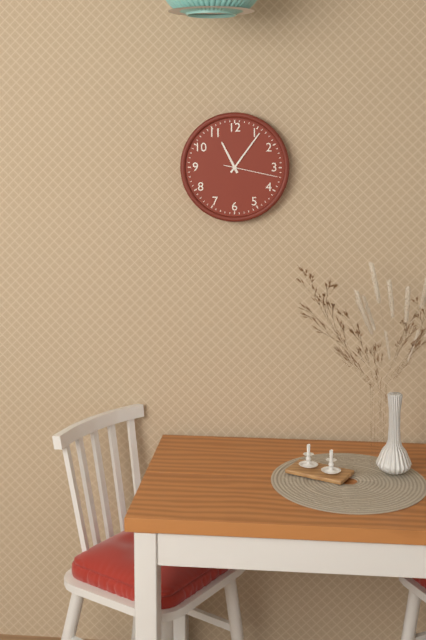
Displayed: 11h06m17s
